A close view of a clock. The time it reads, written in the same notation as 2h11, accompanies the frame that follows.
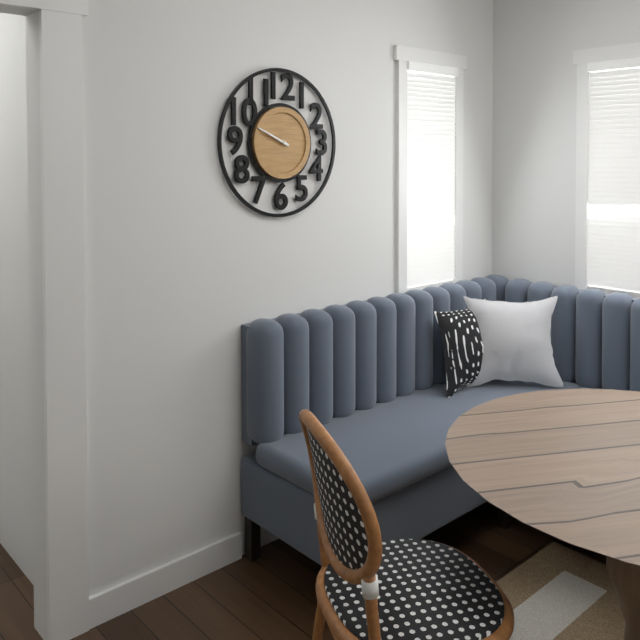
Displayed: 9h49
